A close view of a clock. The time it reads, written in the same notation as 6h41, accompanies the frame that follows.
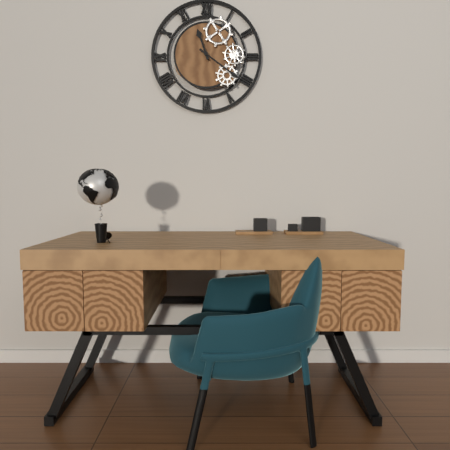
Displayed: 11h21
